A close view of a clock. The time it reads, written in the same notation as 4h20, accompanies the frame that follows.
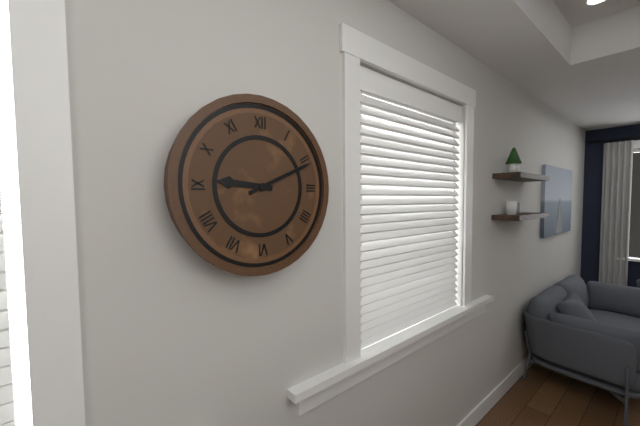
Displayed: 9h11
